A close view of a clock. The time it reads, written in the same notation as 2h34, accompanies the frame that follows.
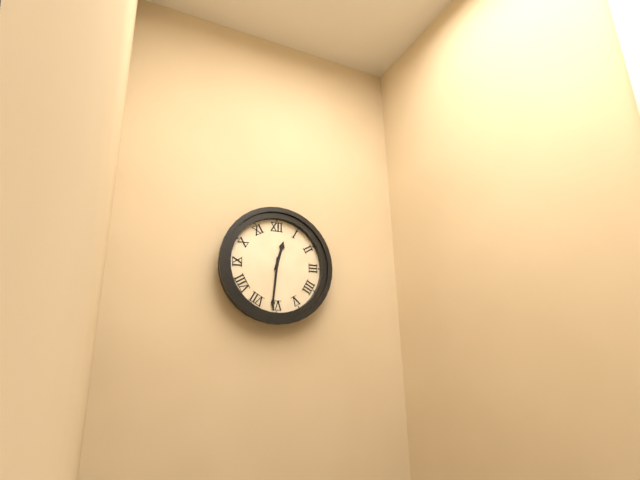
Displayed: 12h31
